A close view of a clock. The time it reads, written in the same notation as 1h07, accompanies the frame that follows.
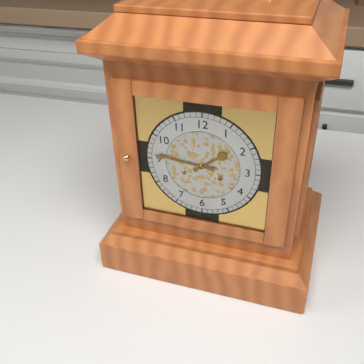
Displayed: 1h46
